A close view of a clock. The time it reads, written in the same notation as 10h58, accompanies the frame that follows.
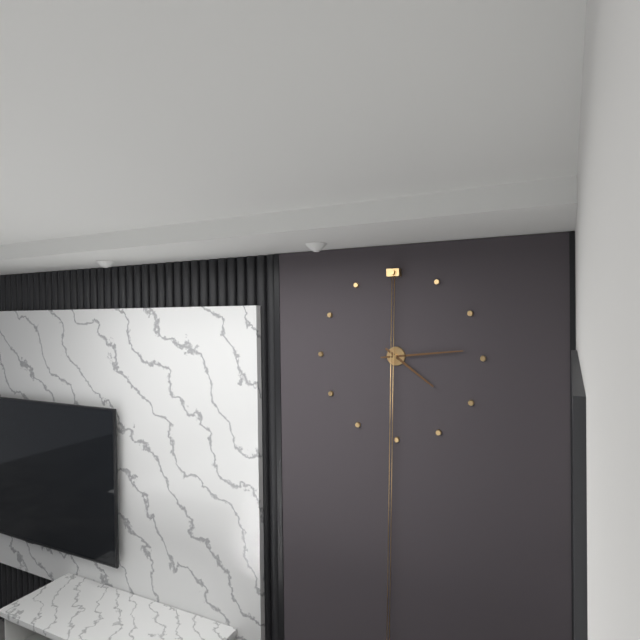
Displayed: 4h14
